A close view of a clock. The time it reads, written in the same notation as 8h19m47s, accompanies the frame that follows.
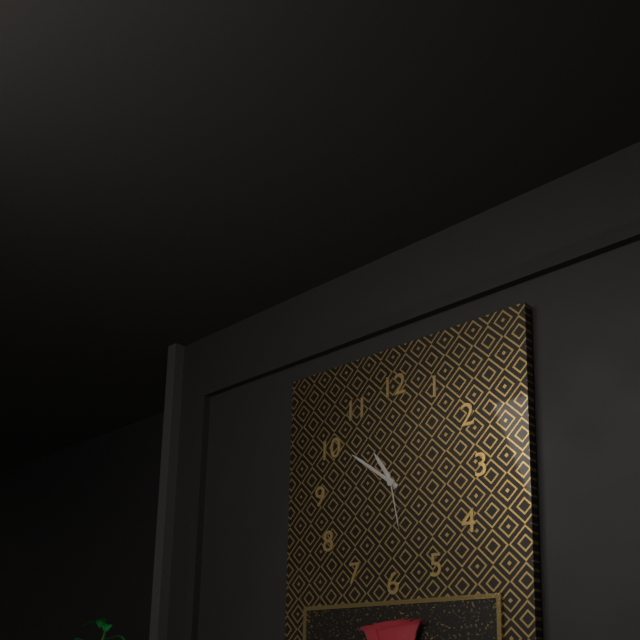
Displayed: 10h51m28s
